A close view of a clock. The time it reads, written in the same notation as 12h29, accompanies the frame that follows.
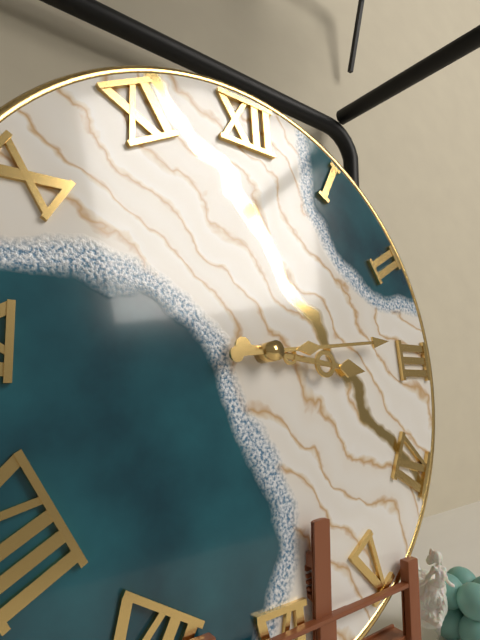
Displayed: 3h14
